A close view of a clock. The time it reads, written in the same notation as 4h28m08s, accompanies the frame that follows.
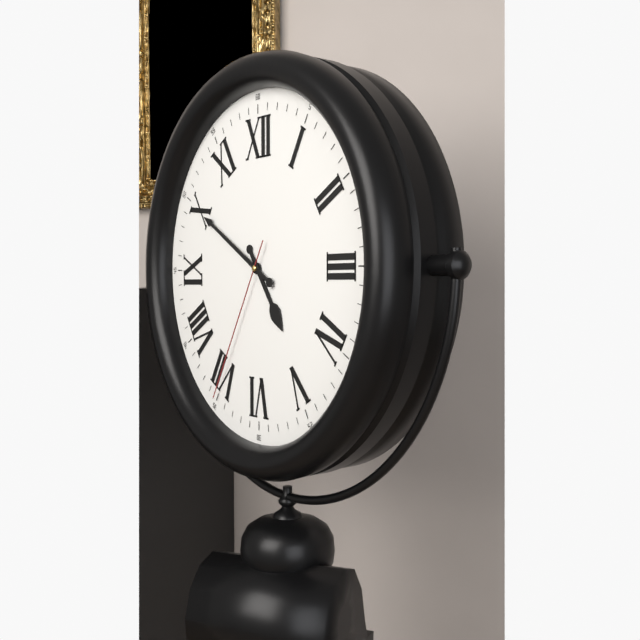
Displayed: 4h50m35s
